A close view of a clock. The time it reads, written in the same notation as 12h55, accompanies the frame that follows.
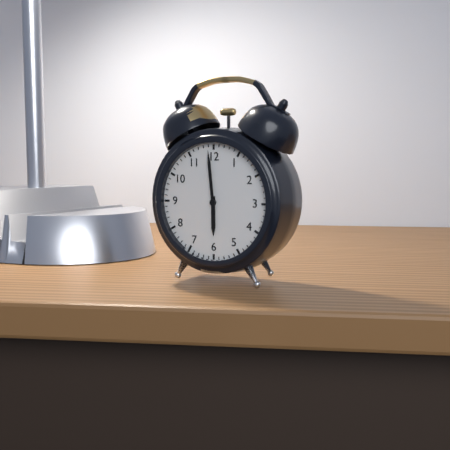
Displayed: 5h59
